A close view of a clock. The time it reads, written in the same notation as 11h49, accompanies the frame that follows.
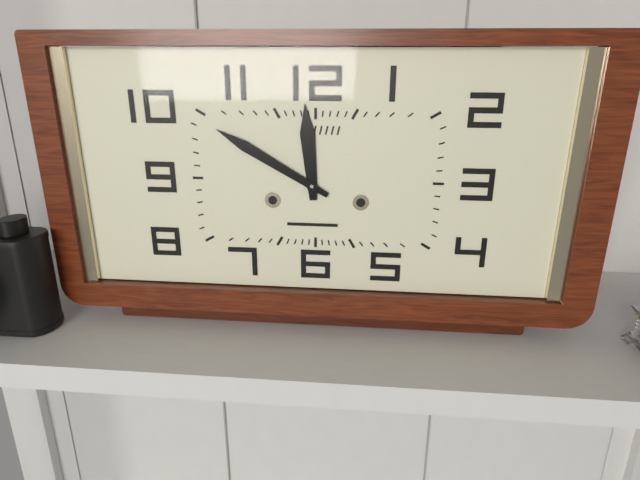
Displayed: 11h50
